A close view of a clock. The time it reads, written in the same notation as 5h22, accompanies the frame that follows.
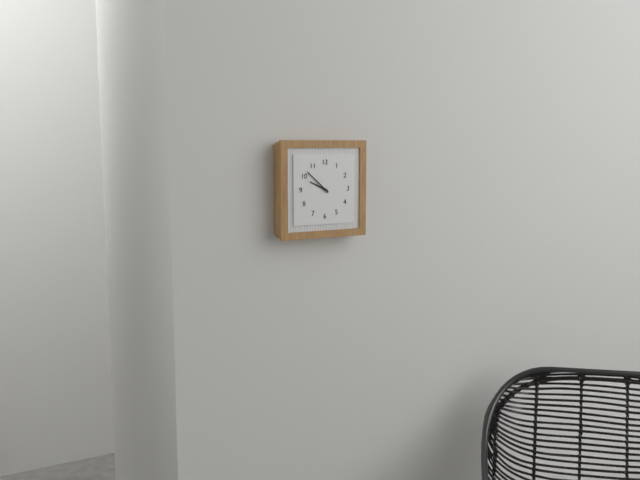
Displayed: 9h52
